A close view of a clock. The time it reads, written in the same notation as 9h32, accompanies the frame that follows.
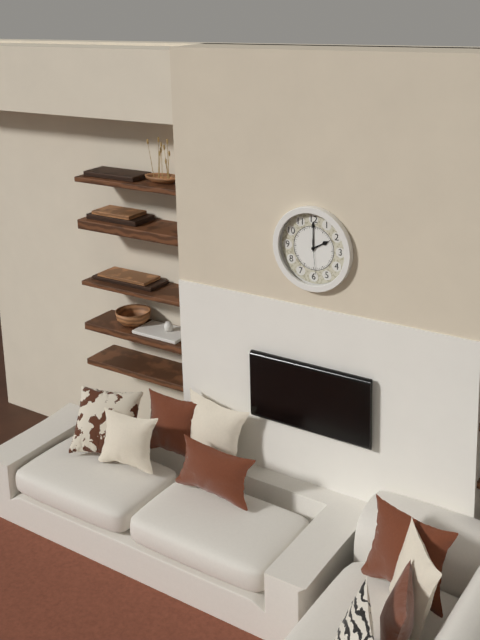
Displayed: 2h00
